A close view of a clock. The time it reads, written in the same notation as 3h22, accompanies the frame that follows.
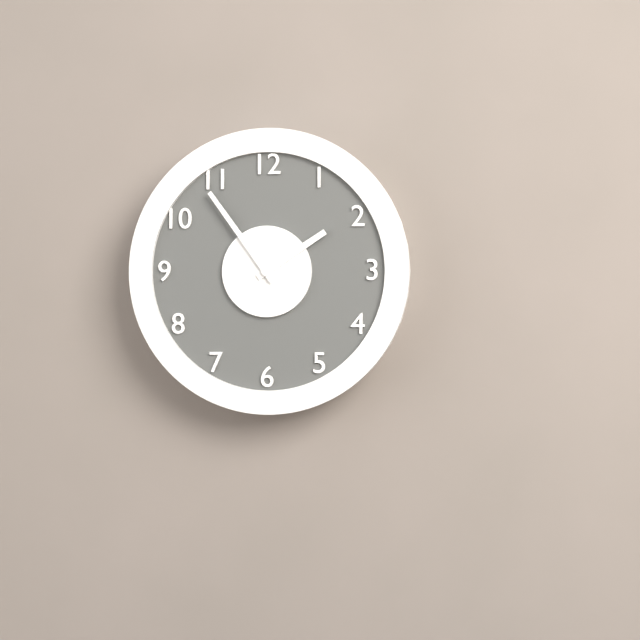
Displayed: 1h54
